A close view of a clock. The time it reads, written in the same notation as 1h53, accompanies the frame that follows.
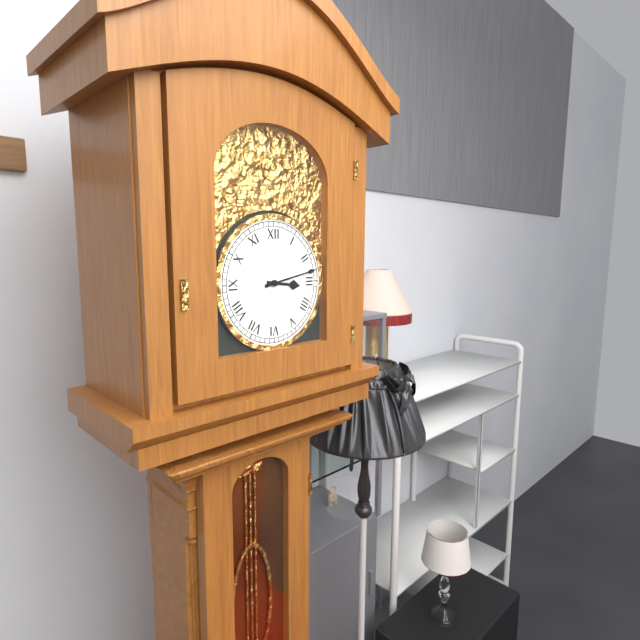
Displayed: 3h13
